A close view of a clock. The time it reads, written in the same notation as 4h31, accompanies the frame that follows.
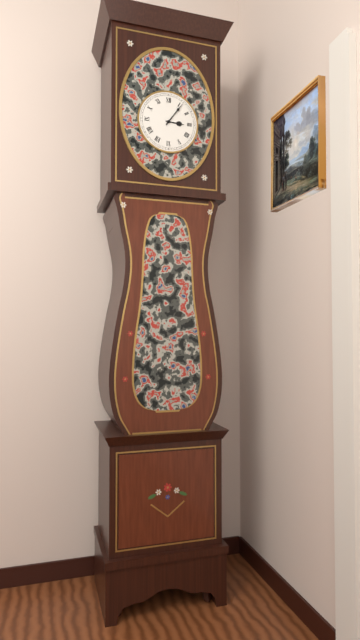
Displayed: 3h06
